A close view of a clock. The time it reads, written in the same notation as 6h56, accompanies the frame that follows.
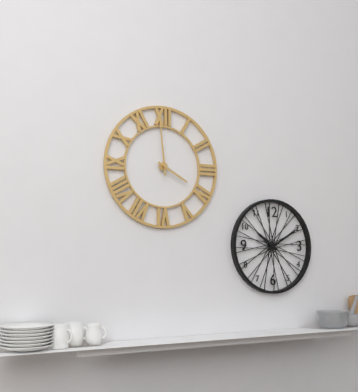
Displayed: 3h59
